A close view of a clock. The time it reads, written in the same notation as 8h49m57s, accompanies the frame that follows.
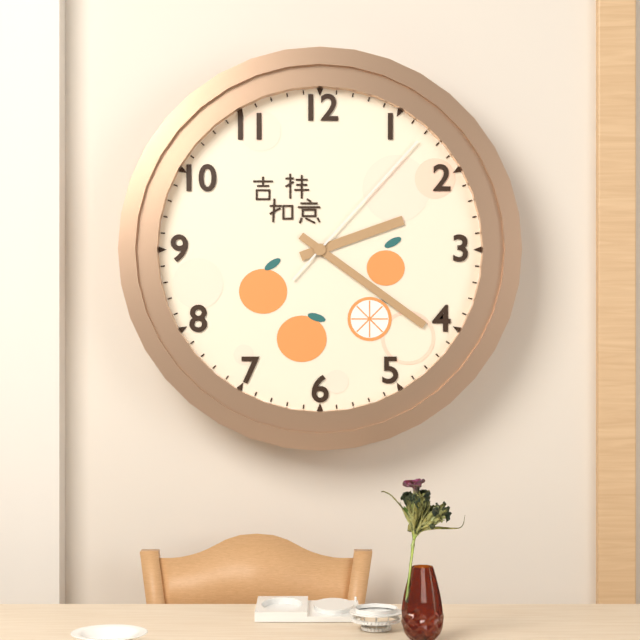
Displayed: 2h21m07s
